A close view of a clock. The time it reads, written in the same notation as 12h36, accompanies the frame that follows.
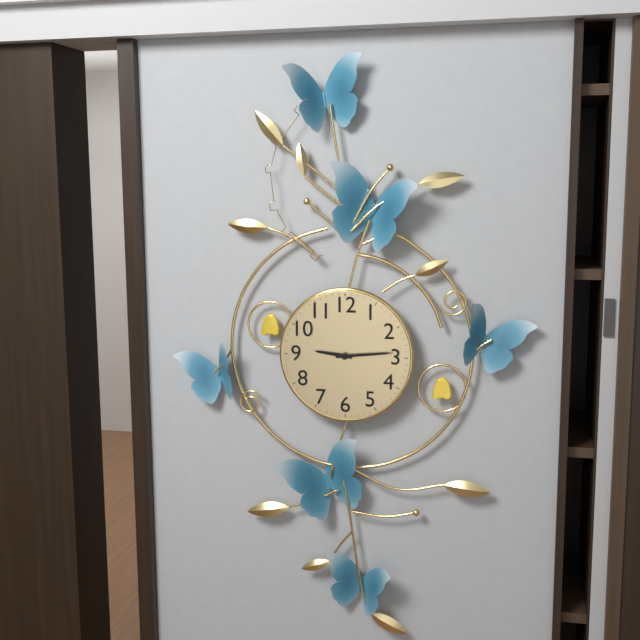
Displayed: 9h14
